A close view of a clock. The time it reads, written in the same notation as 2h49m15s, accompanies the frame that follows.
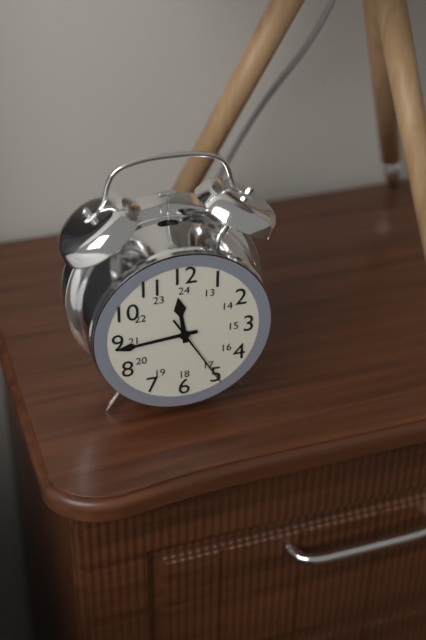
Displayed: 11h44m25s
